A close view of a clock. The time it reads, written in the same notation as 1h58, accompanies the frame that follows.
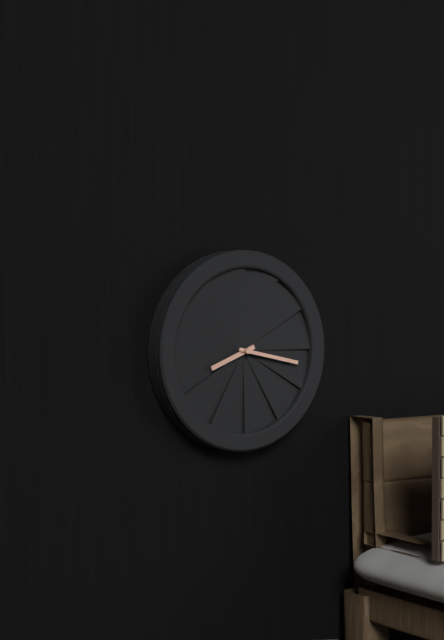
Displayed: 8h17
